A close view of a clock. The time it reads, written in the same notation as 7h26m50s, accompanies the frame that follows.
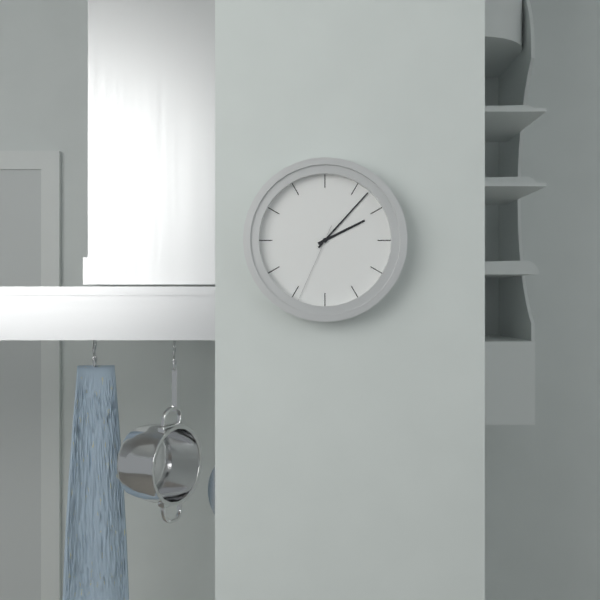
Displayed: 2h07m34s
